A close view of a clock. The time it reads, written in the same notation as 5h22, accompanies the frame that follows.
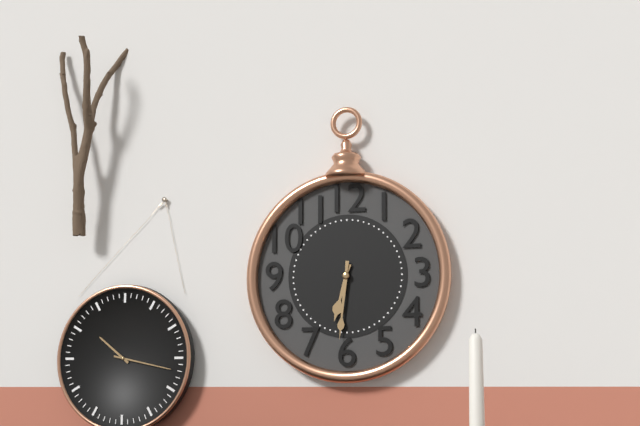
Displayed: 6h31
